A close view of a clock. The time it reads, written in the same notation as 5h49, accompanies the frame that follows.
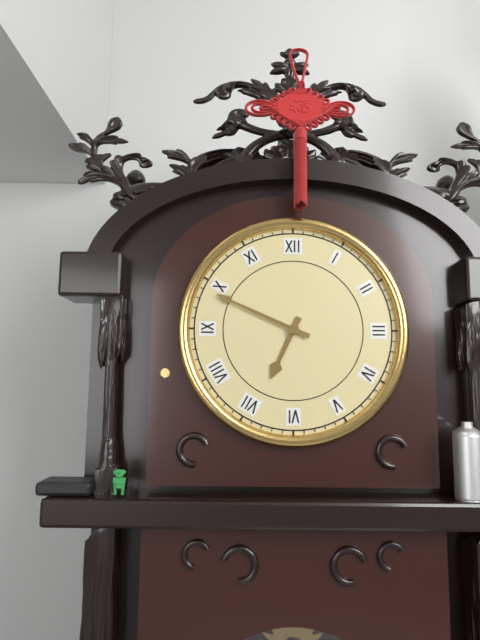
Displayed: 6h49
